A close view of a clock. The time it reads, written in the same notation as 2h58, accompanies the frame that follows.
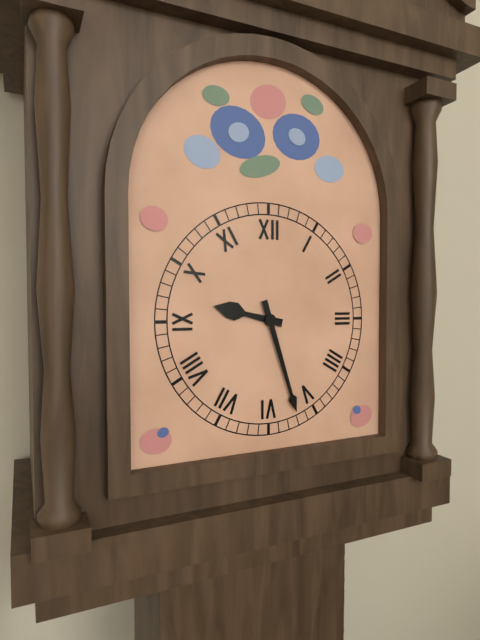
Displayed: 9h27
